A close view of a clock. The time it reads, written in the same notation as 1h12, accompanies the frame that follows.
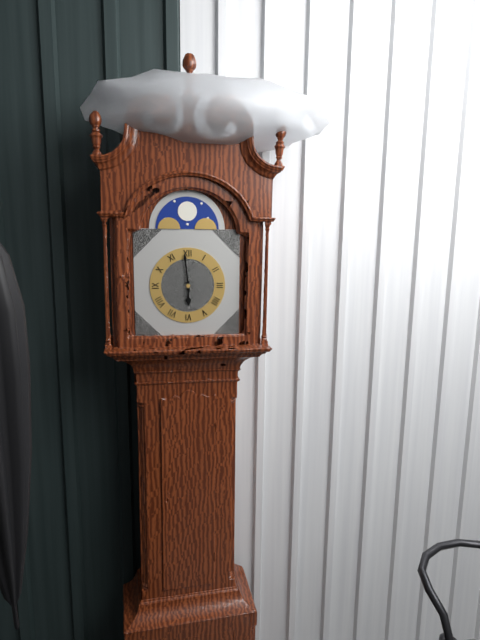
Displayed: 5h59
